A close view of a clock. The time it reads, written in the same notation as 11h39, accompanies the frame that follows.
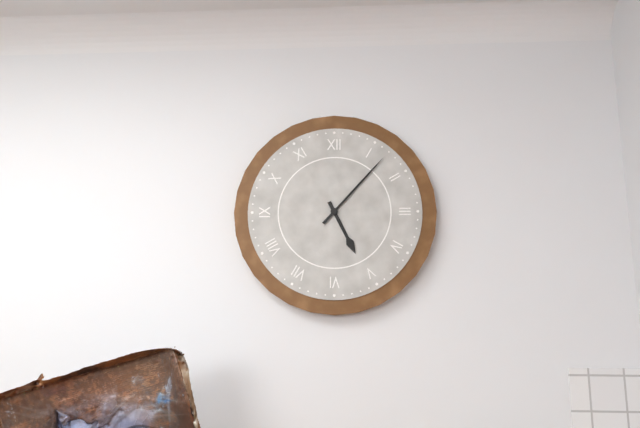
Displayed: 5h07
